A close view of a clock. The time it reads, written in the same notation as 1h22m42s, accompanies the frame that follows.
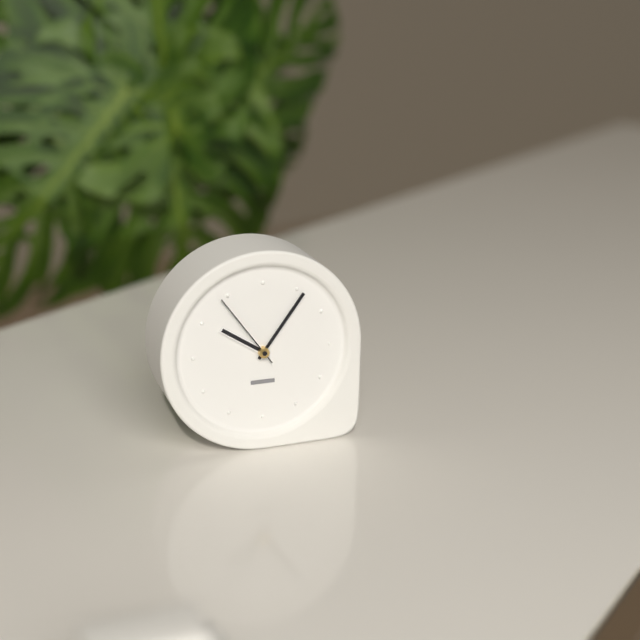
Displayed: 10h06m54s
